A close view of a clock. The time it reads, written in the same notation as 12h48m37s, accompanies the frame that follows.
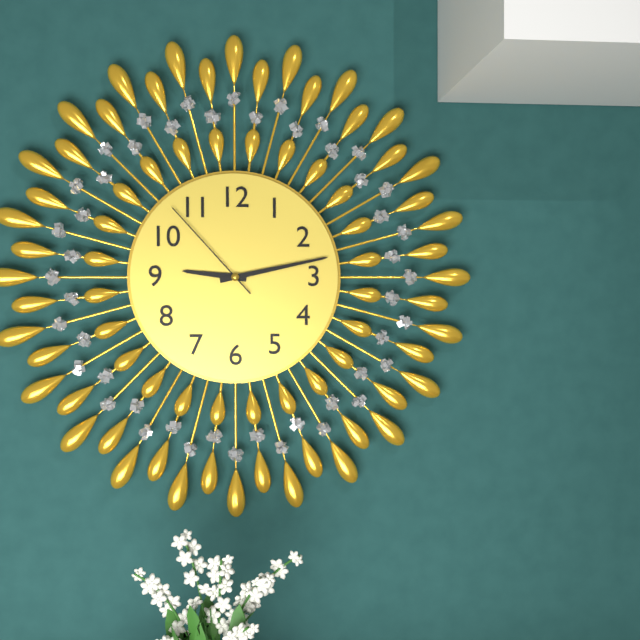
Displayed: 9h13m53s
